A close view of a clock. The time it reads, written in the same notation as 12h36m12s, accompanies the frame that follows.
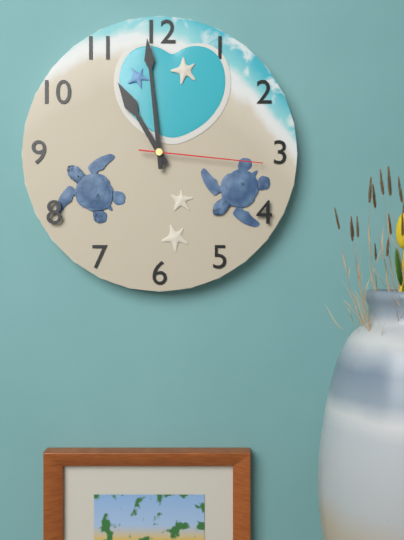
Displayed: 10h59m16s
